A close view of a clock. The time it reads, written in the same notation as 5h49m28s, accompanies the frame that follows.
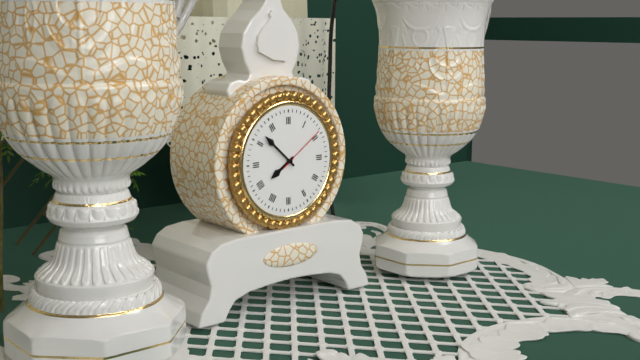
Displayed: 7h52m09s
